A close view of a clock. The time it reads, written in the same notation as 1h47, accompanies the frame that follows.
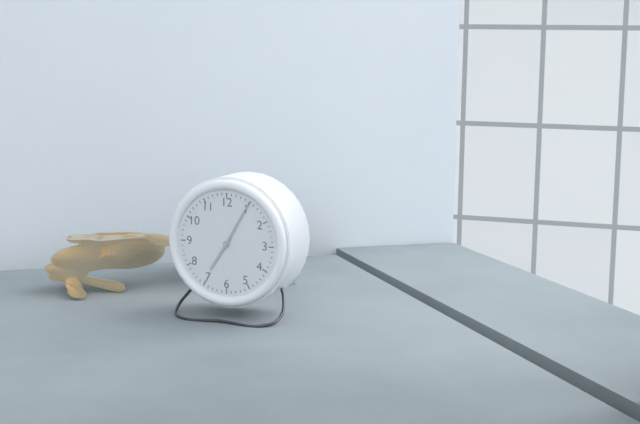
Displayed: 7h05
